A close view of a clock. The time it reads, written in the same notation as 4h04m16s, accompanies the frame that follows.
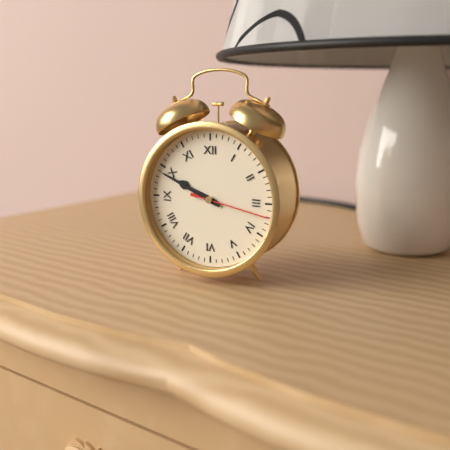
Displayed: 9h49m17s
